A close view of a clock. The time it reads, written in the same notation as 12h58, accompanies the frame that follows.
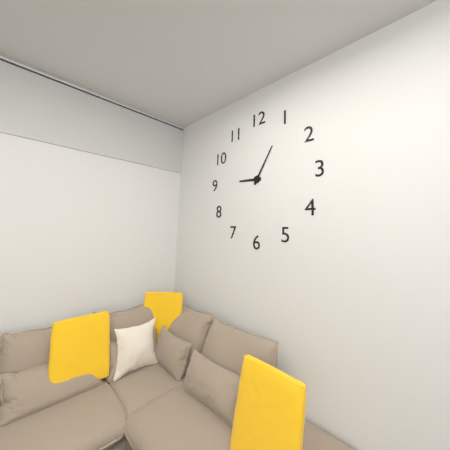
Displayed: 9h05
